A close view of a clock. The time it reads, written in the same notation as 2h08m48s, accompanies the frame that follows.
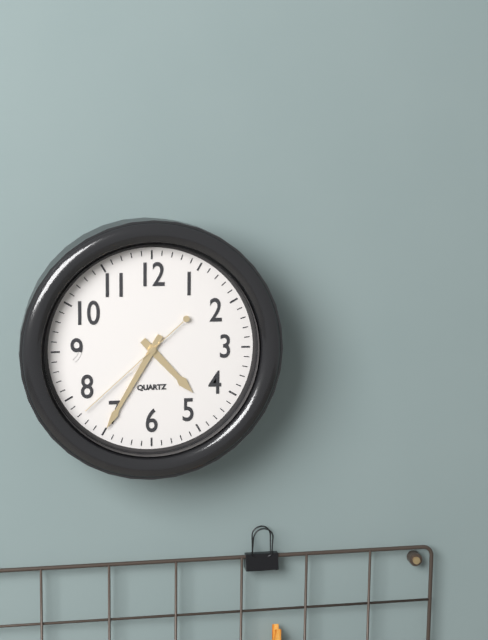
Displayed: 4h35m38s
